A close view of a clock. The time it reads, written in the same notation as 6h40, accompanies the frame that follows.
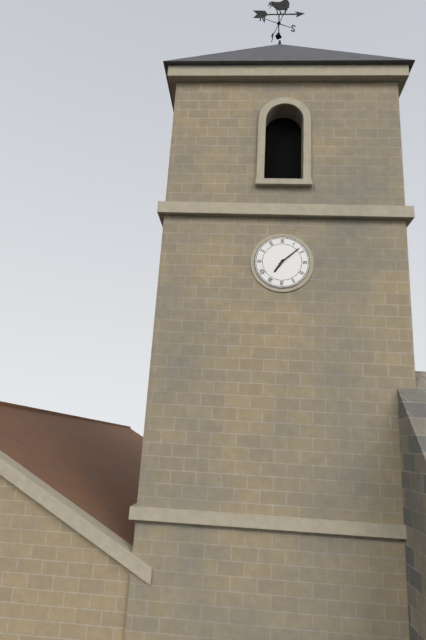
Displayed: 7h08
